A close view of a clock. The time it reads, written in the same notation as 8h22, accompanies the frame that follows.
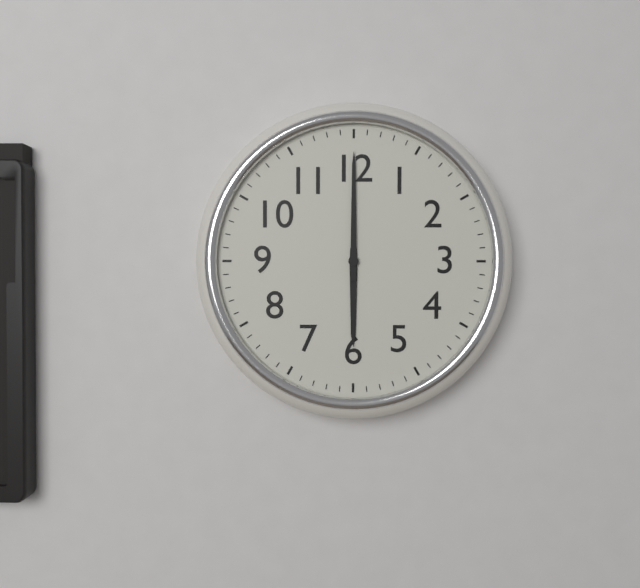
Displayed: 6h00
